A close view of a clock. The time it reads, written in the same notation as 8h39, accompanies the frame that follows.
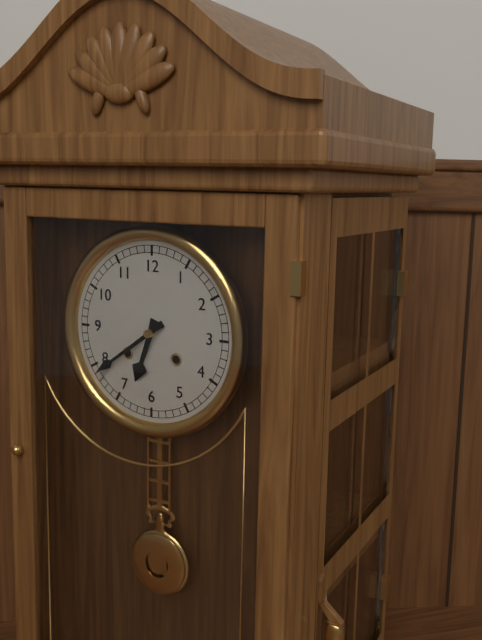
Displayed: 6h39
